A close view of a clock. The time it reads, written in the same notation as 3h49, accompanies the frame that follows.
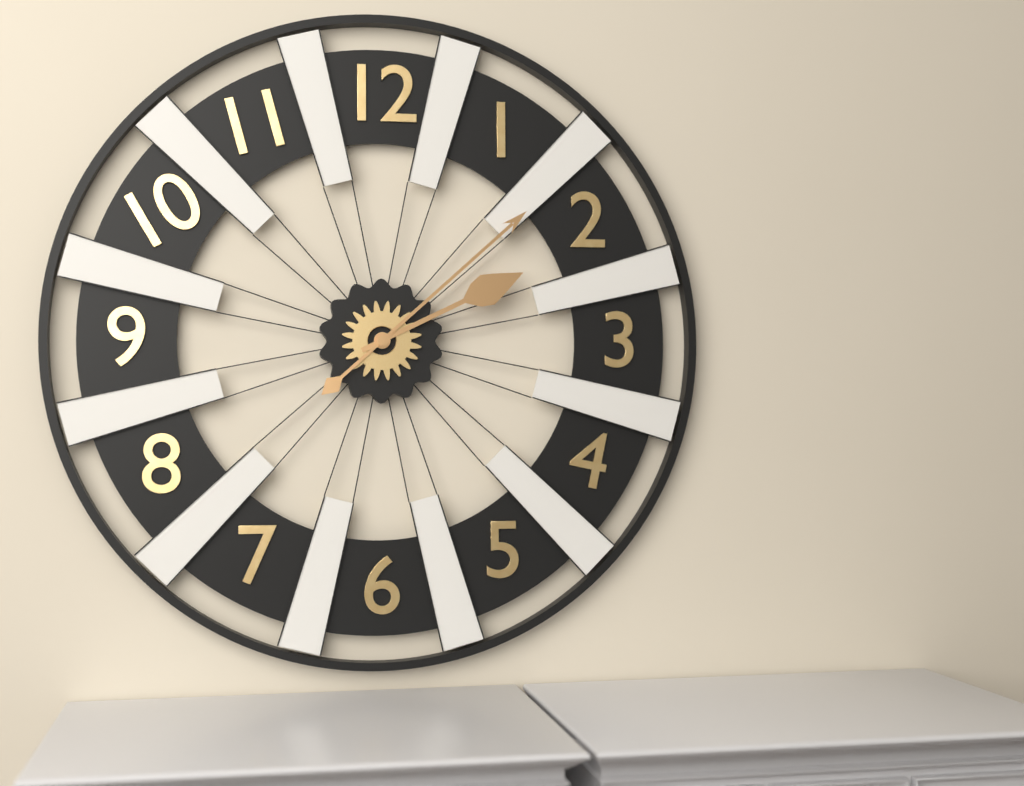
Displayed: 2h08
